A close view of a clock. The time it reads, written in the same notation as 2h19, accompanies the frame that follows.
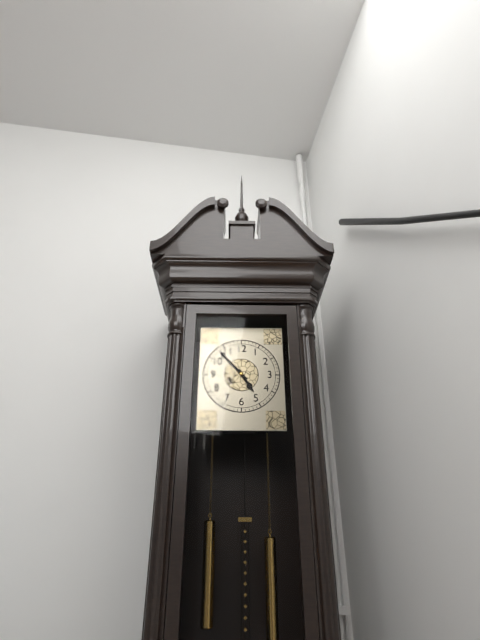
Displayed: 4h53
